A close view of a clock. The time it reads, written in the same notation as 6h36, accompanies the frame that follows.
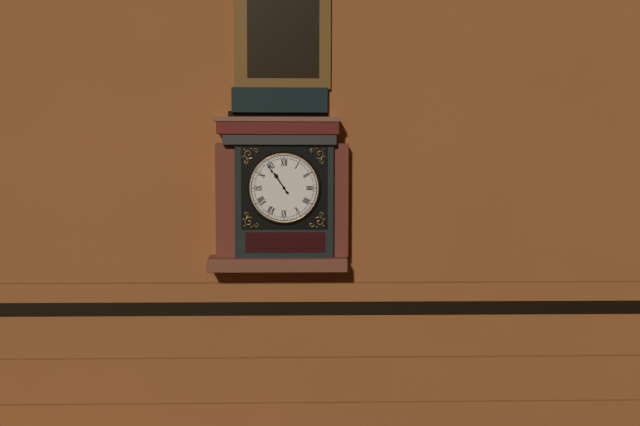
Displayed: 10h54
